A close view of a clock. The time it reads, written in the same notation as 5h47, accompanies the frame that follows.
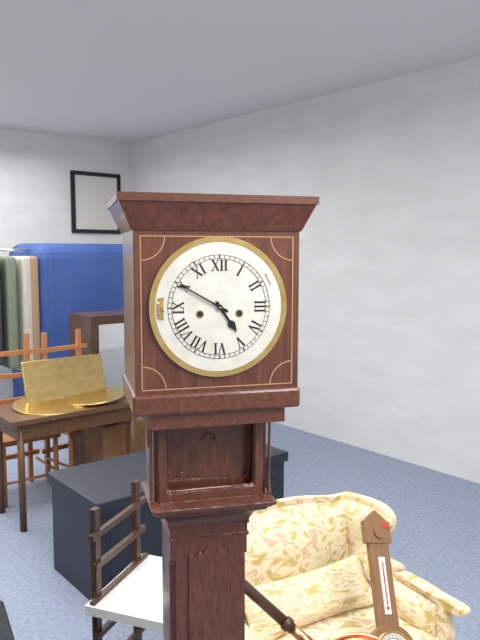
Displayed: 4h50
